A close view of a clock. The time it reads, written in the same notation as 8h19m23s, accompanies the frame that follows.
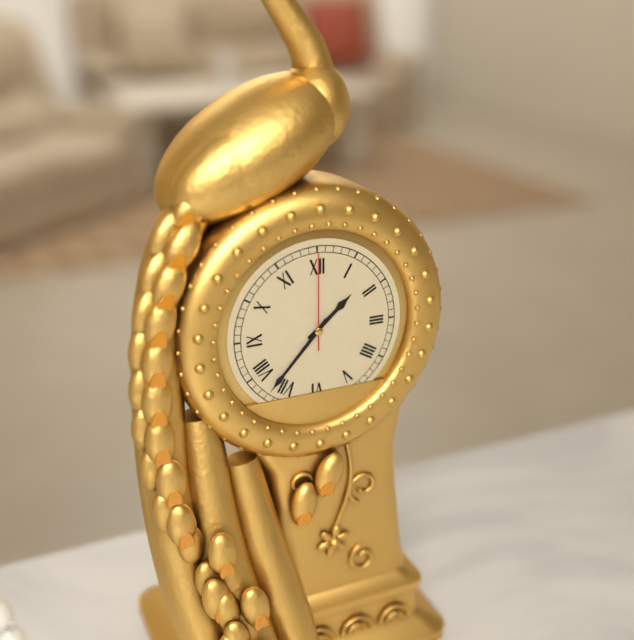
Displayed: 1h37m00s
